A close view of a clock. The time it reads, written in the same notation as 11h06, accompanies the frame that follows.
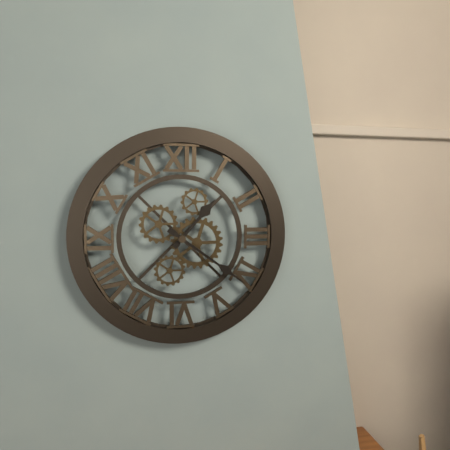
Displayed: 1h21
